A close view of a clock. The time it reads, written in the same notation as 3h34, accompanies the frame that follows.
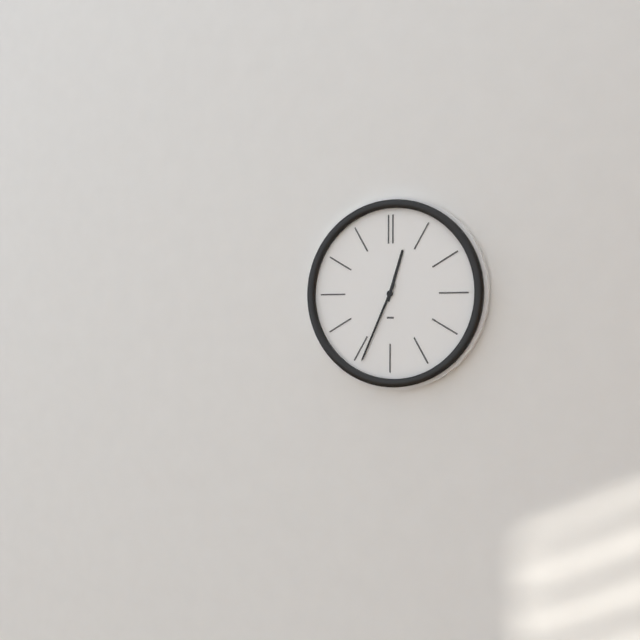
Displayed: 12h34
